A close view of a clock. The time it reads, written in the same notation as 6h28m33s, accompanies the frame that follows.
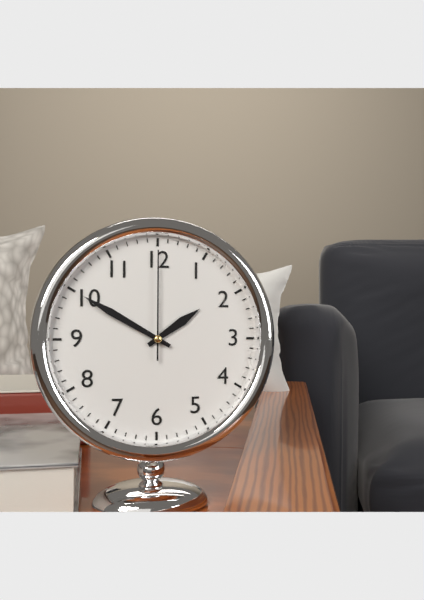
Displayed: 1h50m00s
